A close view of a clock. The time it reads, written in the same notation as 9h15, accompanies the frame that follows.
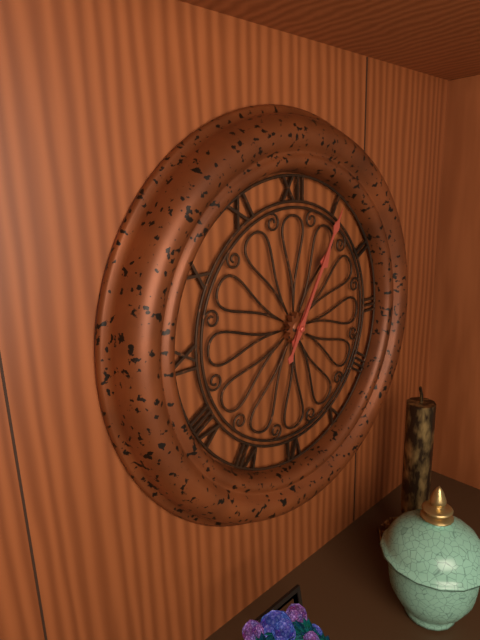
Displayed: 1h05
